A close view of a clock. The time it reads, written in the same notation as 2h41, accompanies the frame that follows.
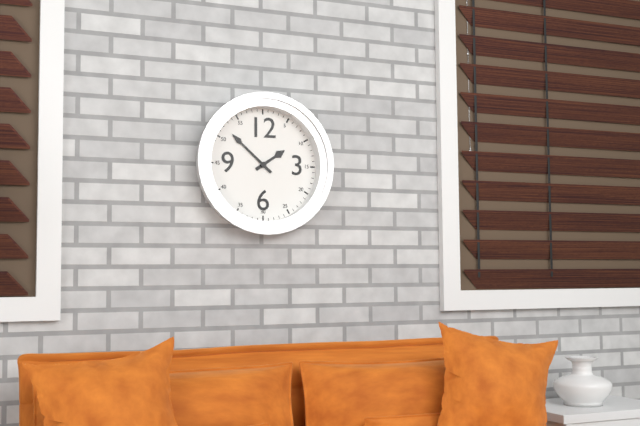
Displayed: 1h52
